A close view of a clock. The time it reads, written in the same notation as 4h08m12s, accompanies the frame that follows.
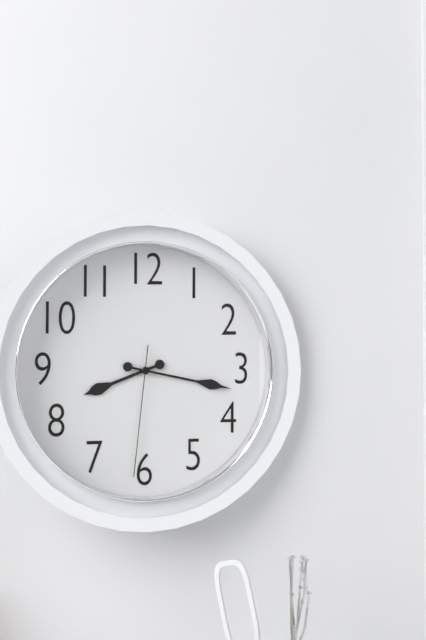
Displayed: 8h17m31s
